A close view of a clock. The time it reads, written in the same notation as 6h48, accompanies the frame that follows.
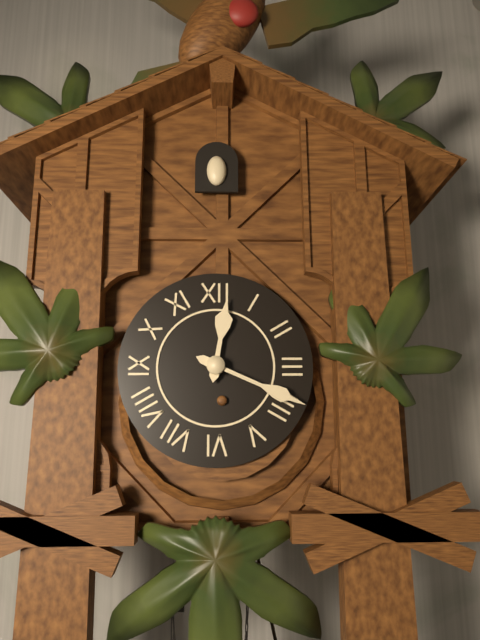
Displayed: 12h19
